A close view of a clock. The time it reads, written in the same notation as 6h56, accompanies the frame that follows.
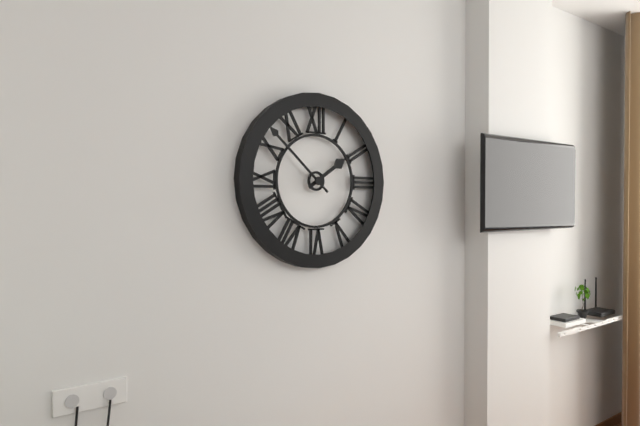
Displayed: 1h52
